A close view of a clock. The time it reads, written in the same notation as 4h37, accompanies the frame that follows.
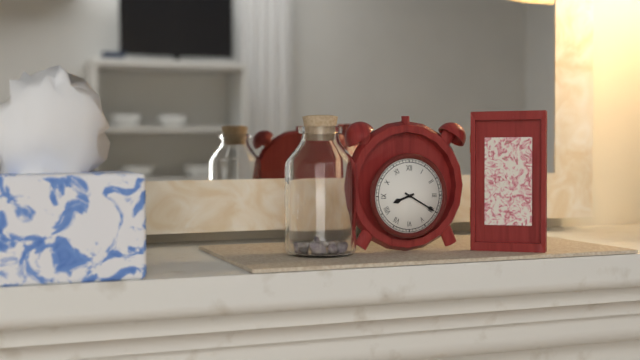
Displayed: 8h20
